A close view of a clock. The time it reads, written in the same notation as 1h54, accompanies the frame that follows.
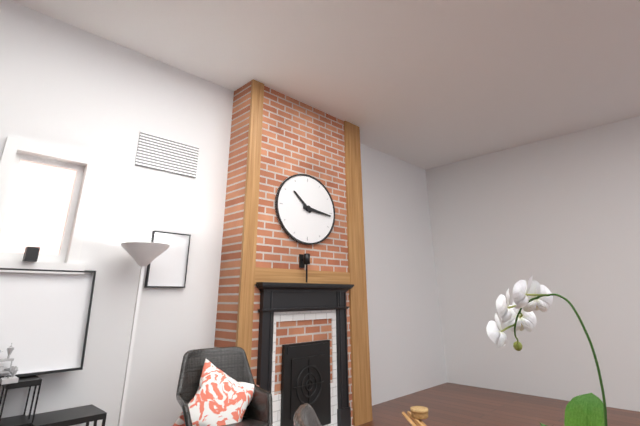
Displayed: 10h16
